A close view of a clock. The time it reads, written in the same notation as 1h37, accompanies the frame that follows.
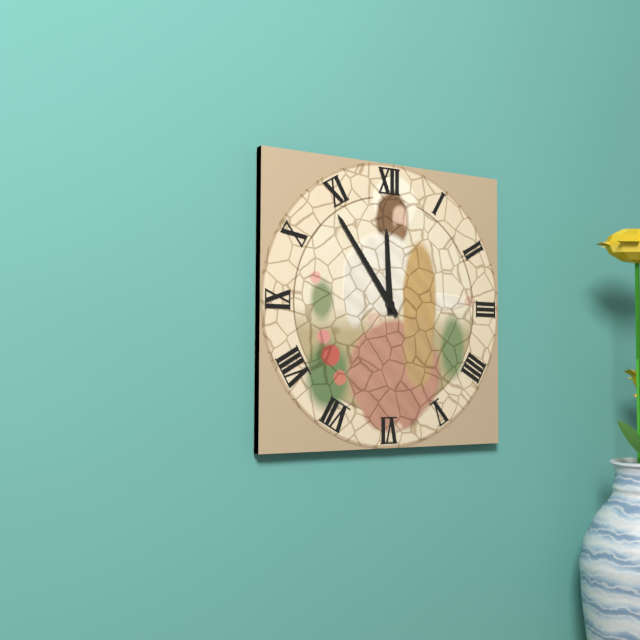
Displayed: 11h54
